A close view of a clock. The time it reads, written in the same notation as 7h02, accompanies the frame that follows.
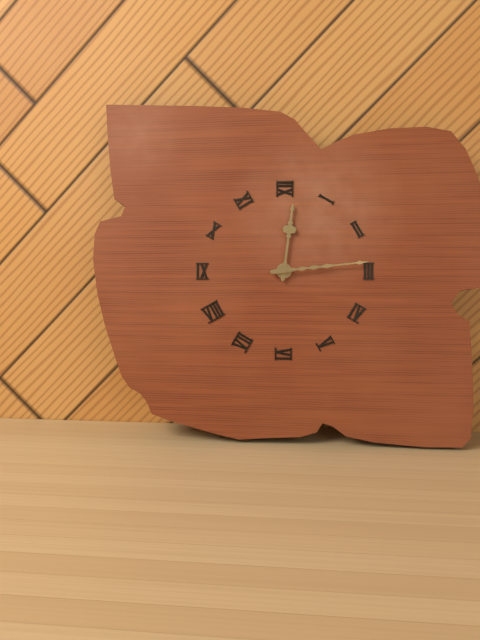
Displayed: 12h14
